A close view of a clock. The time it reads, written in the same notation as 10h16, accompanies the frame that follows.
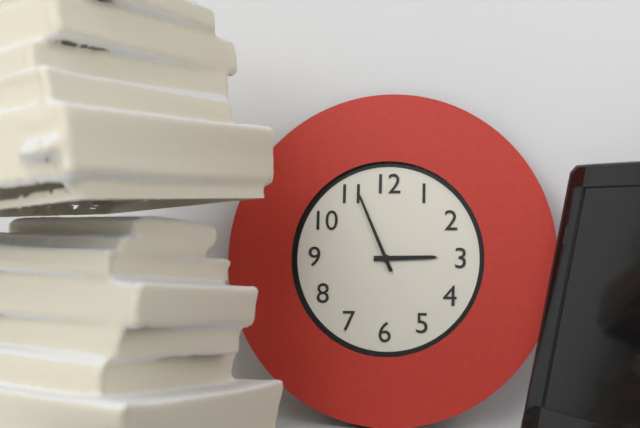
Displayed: 2h56
